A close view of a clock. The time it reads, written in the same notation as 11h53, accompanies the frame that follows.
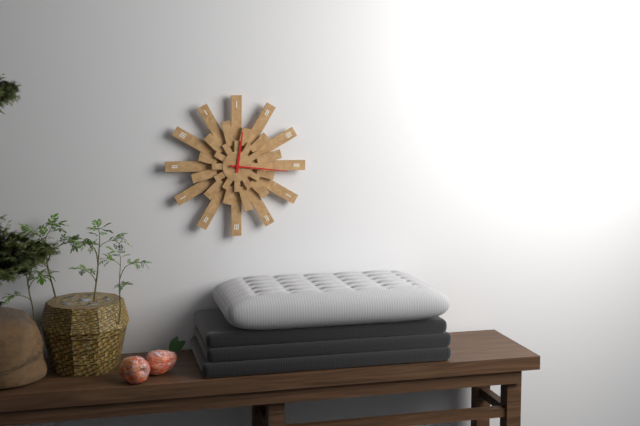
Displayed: 12h16
